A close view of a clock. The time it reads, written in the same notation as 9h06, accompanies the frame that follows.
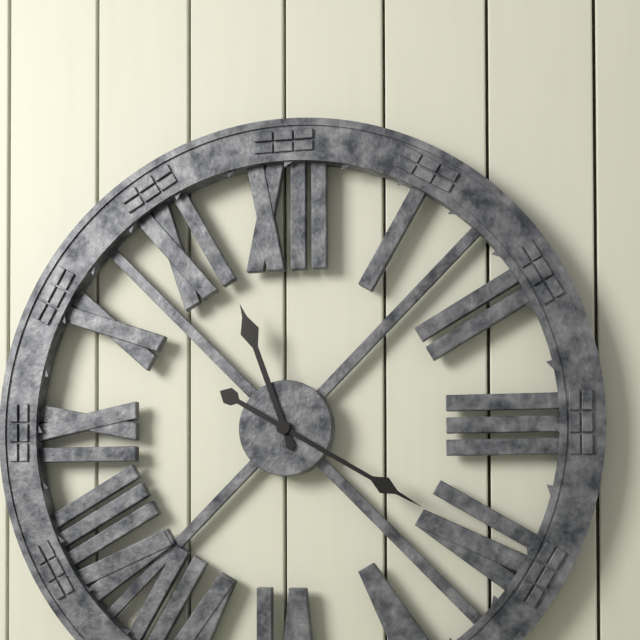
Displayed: 11h20
